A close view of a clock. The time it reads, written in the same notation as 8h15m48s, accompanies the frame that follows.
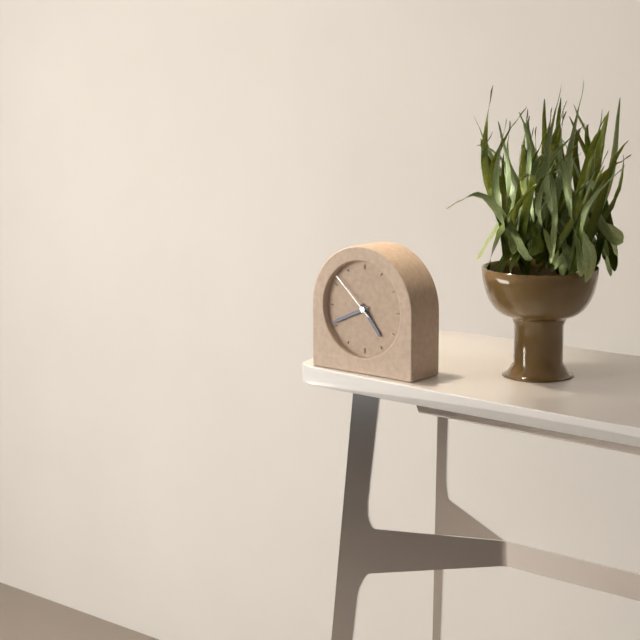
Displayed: 4h41m52s
